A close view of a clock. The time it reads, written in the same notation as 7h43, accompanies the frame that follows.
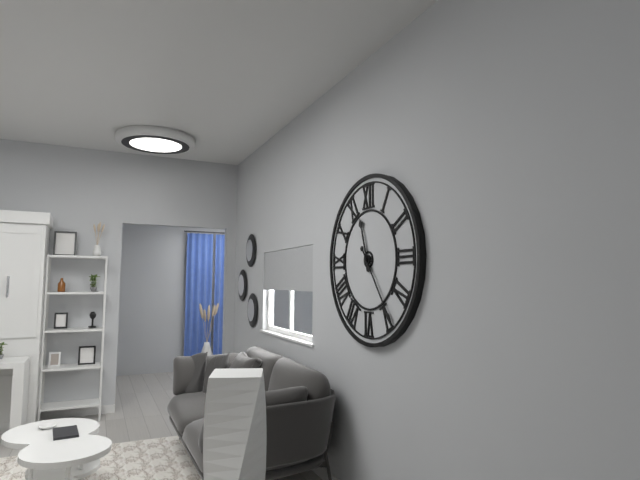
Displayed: 11h24
